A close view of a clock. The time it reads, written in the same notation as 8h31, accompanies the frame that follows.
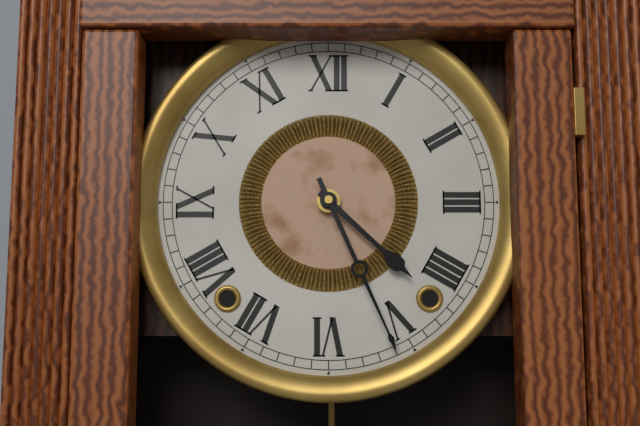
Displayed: 4h26
